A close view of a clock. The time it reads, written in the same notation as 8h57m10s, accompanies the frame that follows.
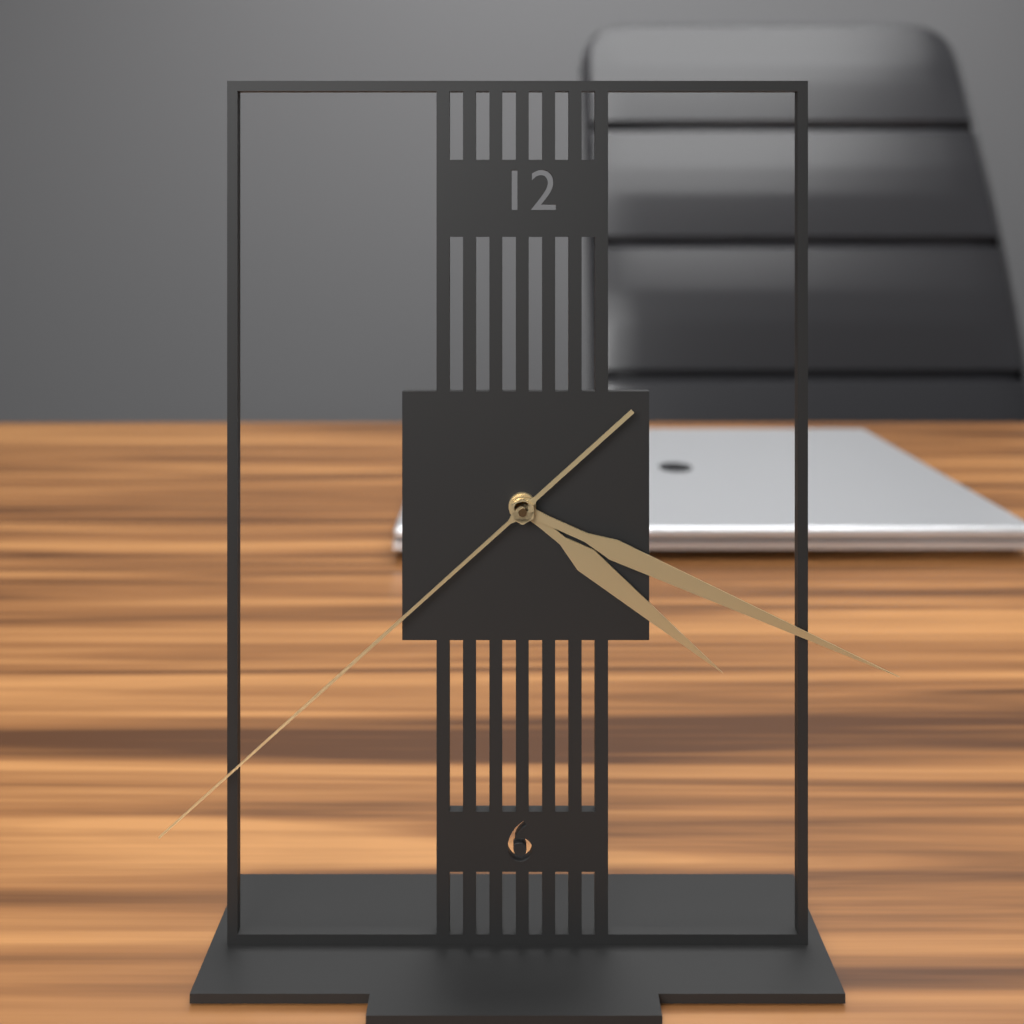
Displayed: 4h19m38s
